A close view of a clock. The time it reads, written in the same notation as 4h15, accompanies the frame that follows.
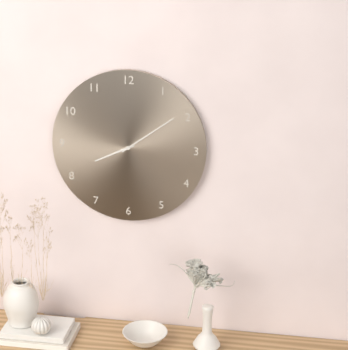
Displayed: 8h09
